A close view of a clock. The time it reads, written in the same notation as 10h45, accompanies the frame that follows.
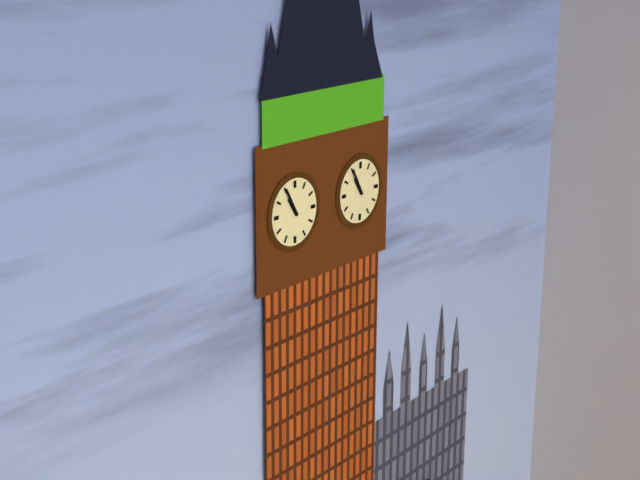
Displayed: 10h55
